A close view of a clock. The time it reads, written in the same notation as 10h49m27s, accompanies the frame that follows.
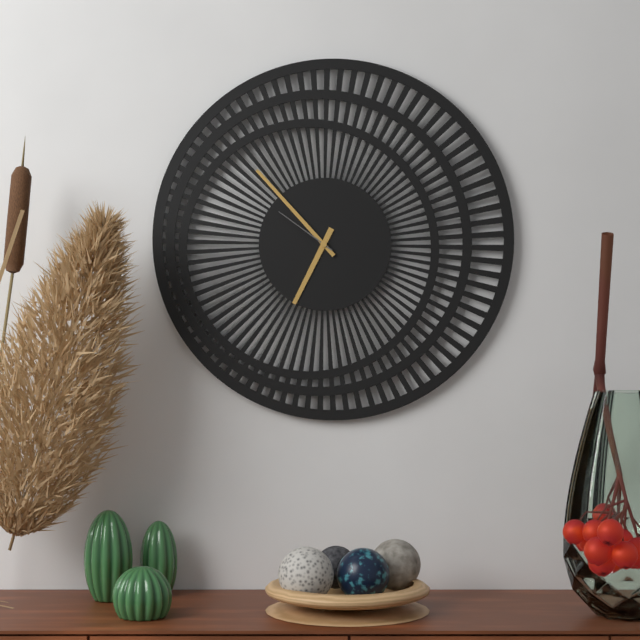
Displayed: 6h53m51s
